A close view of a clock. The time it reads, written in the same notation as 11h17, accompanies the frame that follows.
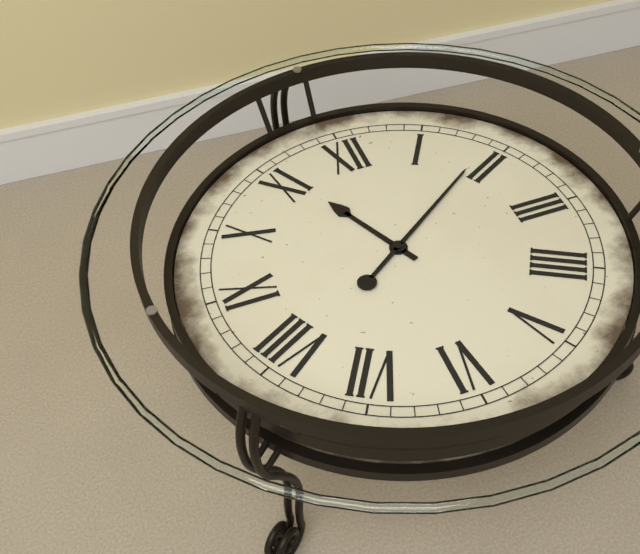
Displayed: 11h09
